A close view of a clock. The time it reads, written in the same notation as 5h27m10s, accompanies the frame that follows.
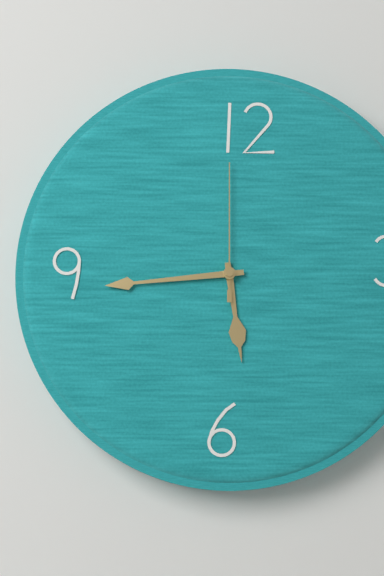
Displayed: 5h44m00s
